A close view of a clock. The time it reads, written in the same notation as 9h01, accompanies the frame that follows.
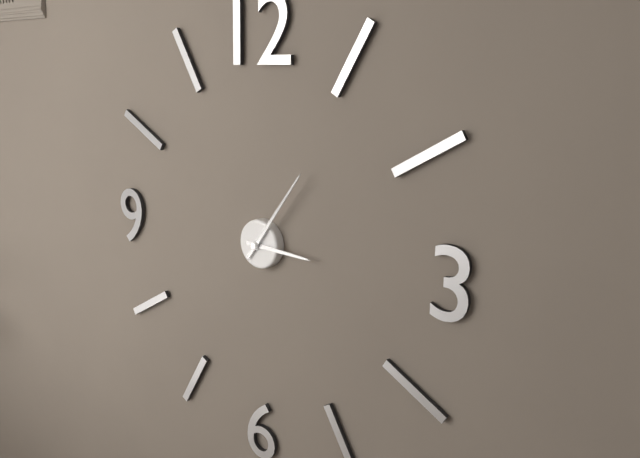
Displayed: 3h06
